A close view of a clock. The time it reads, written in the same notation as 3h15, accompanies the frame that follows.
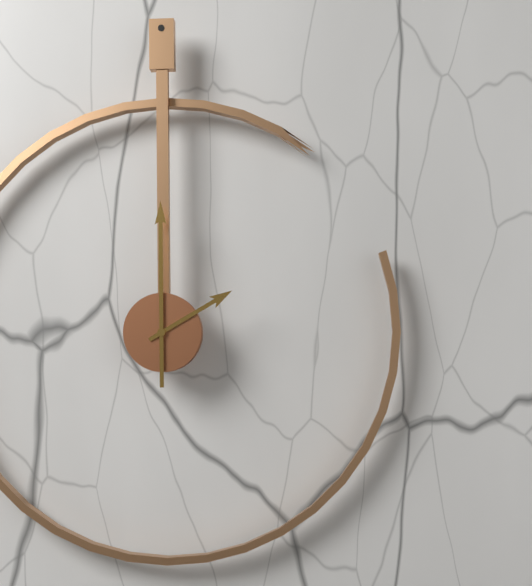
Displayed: 2h00
